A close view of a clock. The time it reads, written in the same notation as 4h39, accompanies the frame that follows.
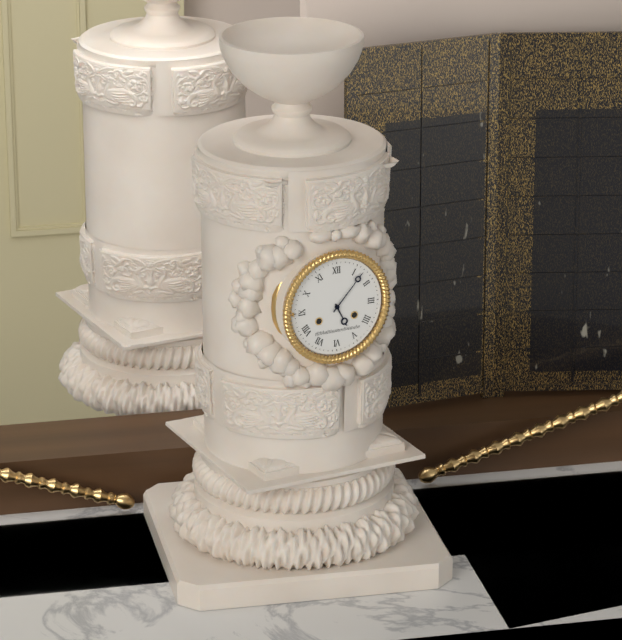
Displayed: 5h07
